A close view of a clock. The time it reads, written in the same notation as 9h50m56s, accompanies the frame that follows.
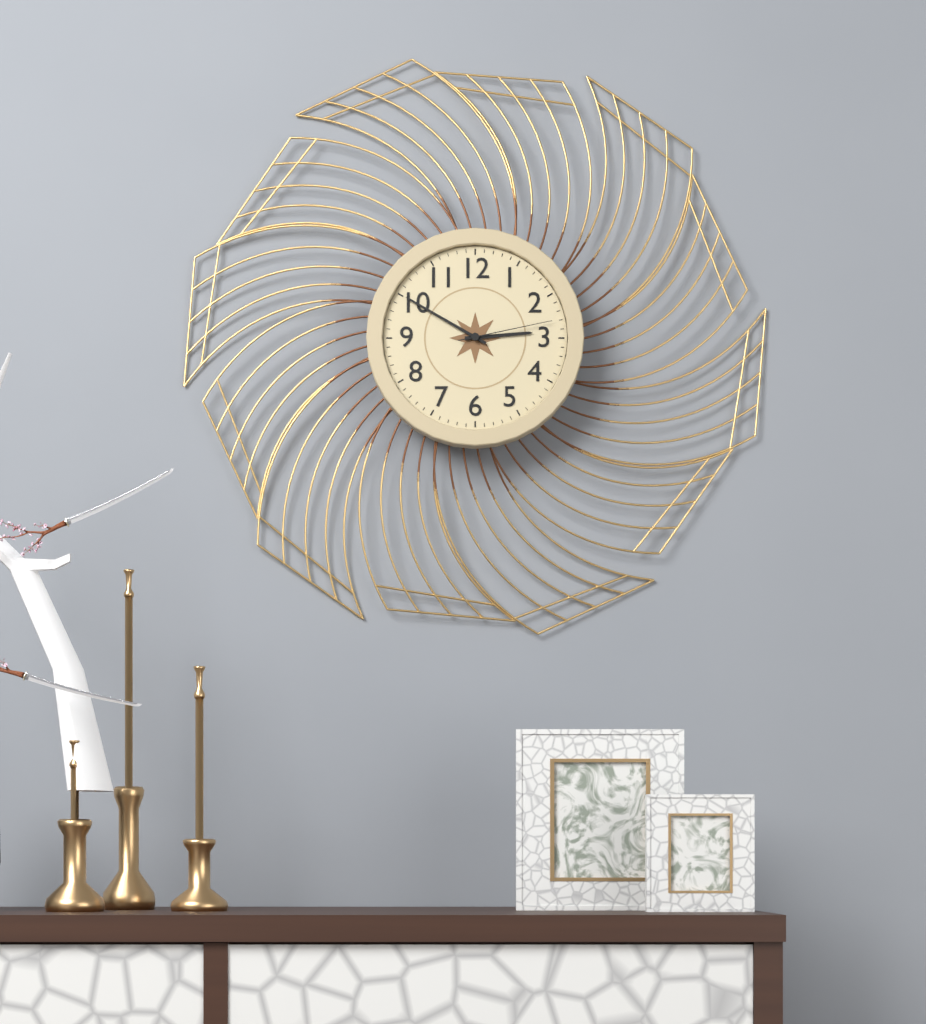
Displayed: 2h50m13s
